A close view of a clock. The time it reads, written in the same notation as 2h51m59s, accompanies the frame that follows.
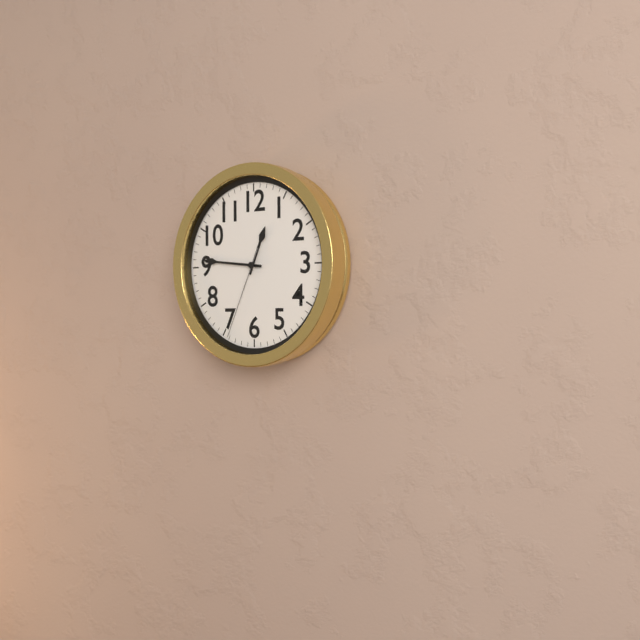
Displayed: 12h46m34s
